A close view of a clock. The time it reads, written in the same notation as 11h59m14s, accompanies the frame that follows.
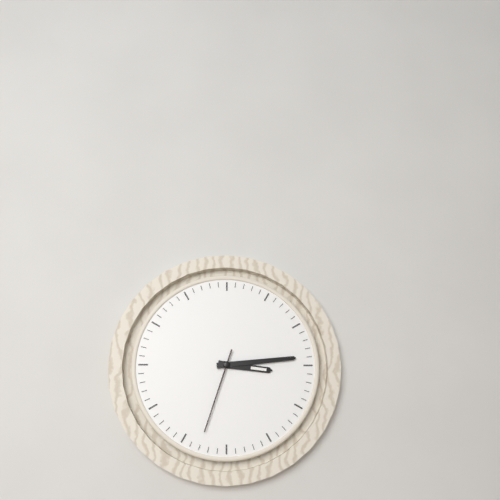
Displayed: 3h14m33s
